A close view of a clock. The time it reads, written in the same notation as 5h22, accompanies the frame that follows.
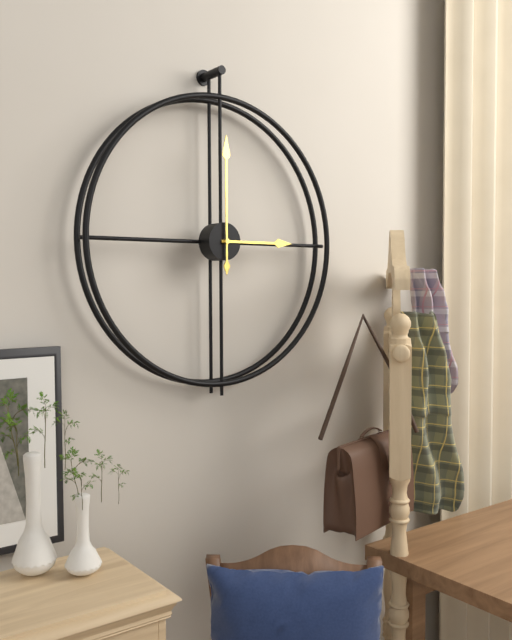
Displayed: 3h00
